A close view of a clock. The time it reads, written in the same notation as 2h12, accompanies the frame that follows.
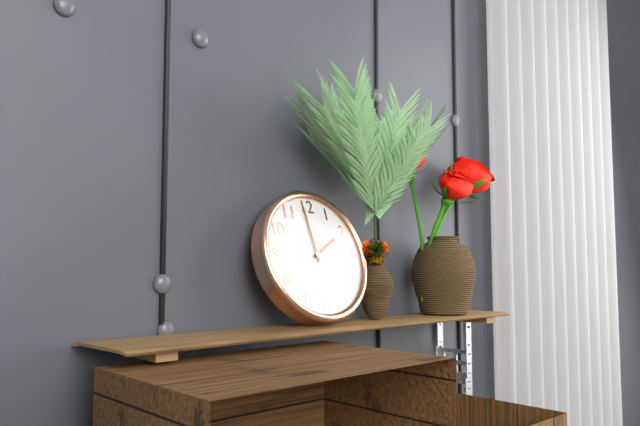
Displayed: 1h59
